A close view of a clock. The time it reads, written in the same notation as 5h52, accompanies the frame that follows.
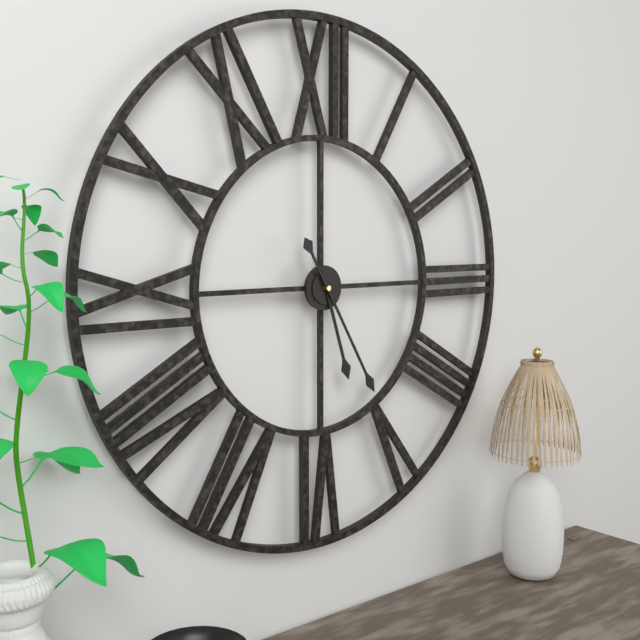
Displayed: 5h25
